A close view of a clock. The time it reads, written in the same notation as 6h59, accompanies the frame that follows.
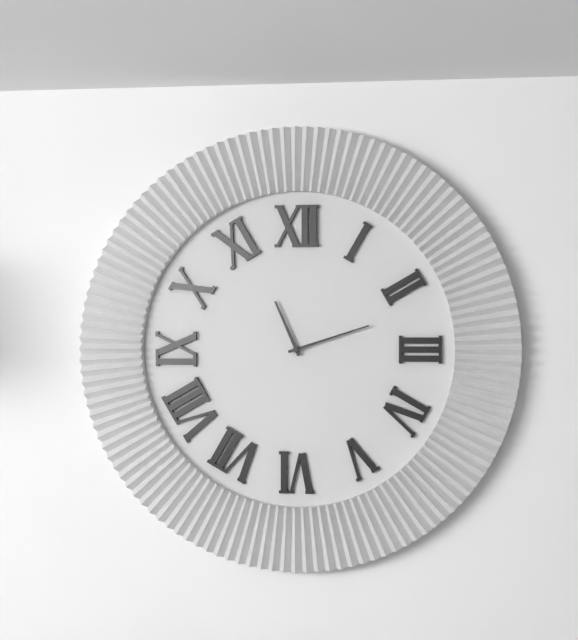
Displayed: 11h12
